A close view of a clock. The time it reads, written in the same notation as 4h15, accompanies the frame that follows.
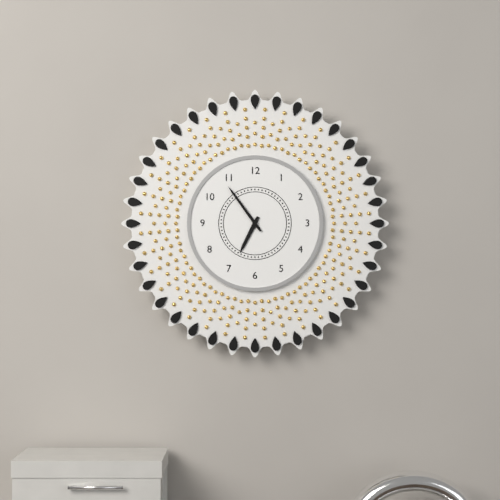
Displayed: 6h54
